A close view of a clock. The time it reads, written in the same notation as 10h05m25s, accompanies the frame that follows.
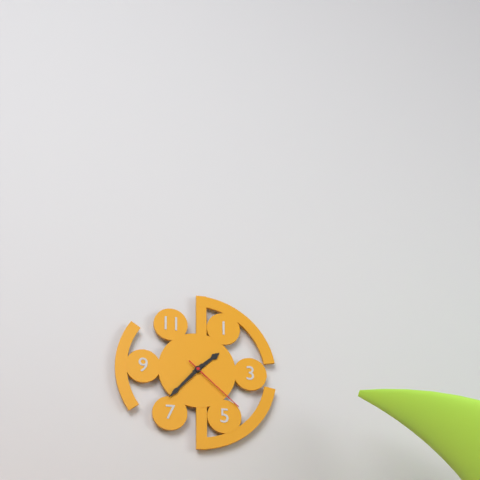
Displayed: 1h37m22s
